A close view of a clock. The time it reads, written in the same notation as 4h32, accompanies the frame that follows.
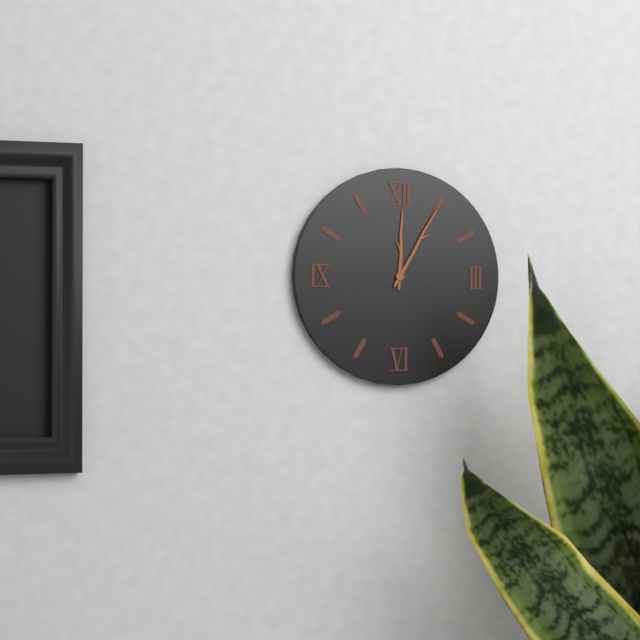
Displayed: 12h05
